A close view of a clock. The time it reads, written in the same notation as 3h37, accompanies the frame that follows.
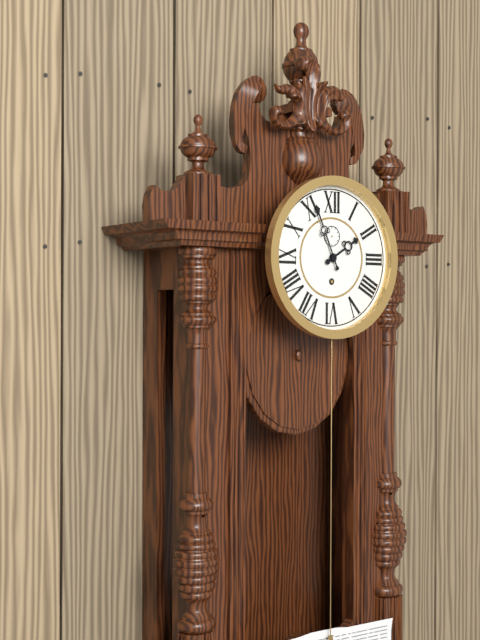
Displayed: 1h56
